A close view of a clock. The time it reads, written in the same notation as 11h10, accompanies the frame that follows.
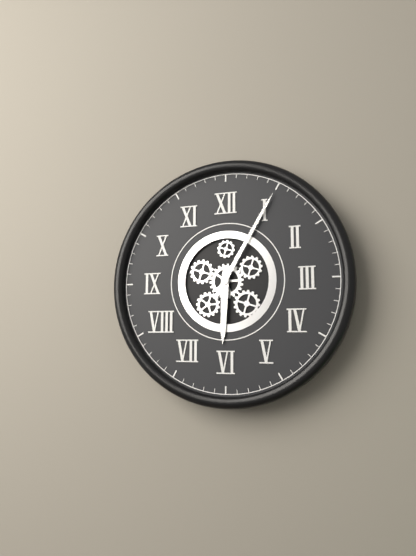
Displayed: 6h05
